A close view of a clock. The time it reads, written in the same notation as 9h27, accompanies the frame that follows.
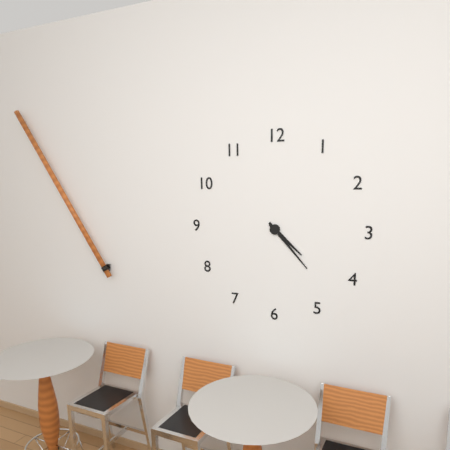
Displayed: 4h23
